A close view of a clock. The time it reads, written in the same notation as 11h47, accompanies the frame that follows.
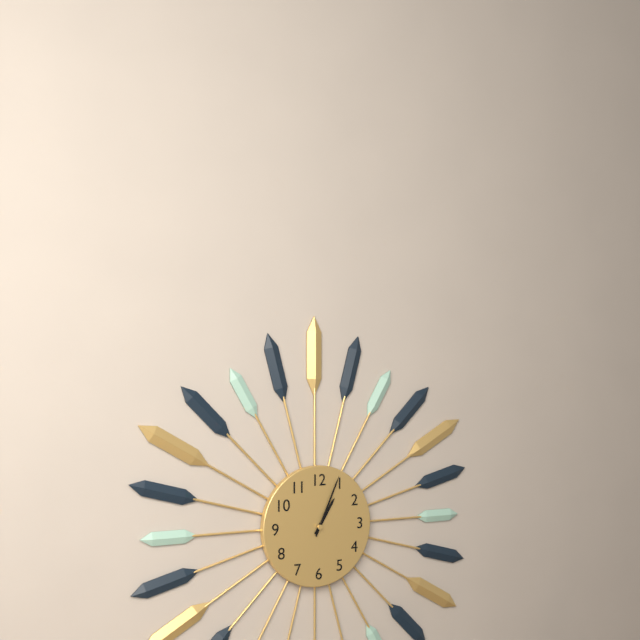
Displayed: 1h04
